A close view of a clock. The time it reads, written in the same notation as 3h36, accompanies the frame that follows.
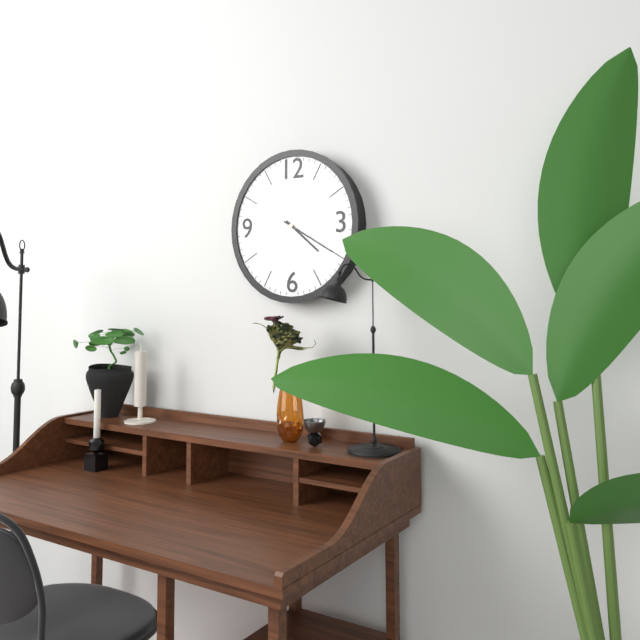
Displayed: 4h20
